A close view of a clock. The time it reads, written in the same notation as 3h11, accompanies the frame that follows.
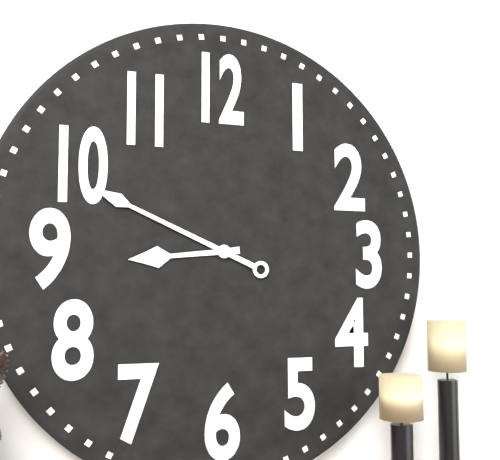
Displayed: 8h49
